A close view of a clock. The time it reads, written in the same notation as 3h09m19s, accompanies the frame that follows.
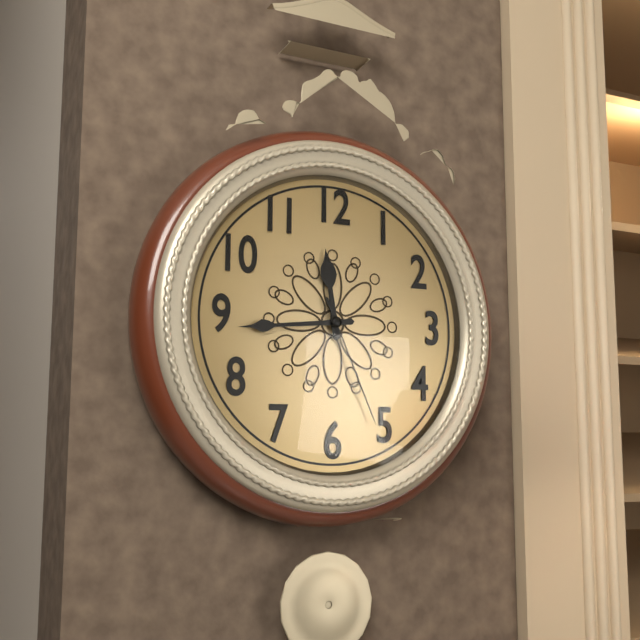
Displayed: 11h44m26s
